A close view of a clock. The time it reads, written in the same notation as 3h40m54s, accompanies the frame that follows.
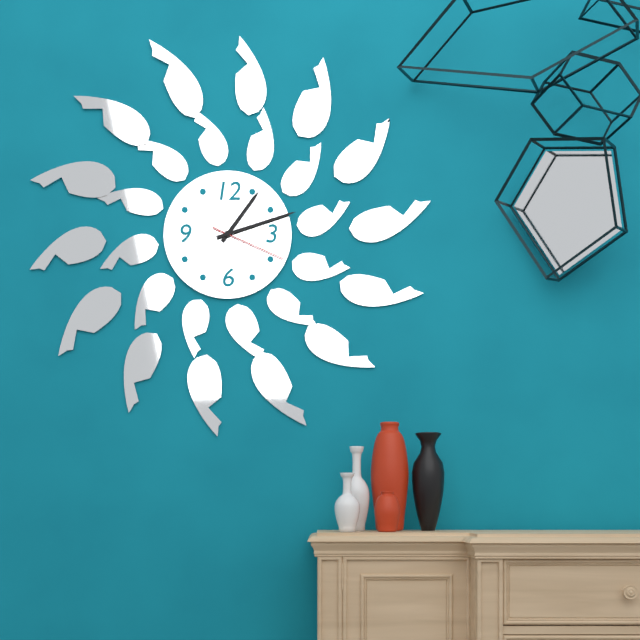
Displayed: 1h12m19s
